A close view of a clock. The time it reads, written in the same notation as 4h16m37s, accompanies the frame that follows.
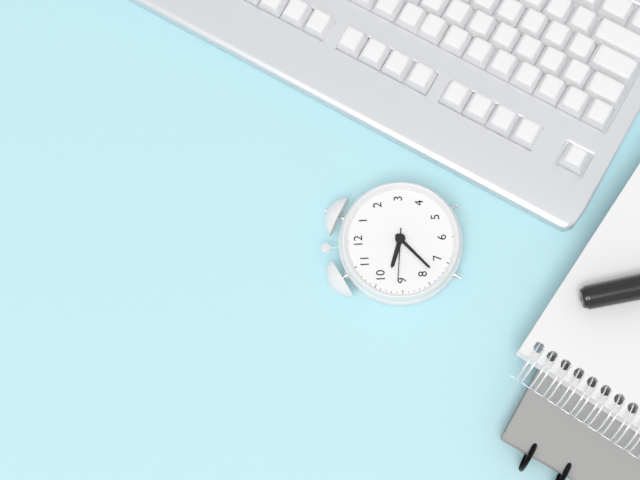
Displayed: 9h38m46s
